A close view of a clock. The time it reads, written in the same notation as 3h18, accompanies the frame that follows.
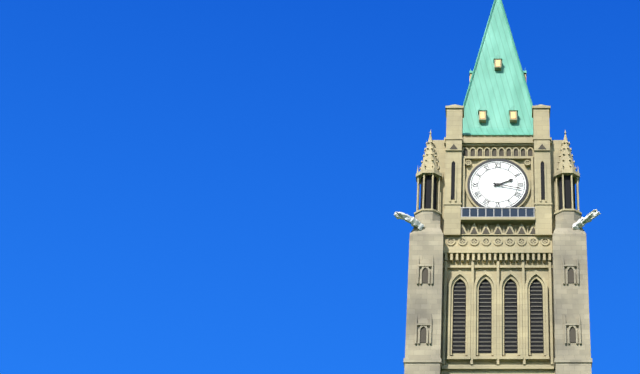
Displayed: 2h17
